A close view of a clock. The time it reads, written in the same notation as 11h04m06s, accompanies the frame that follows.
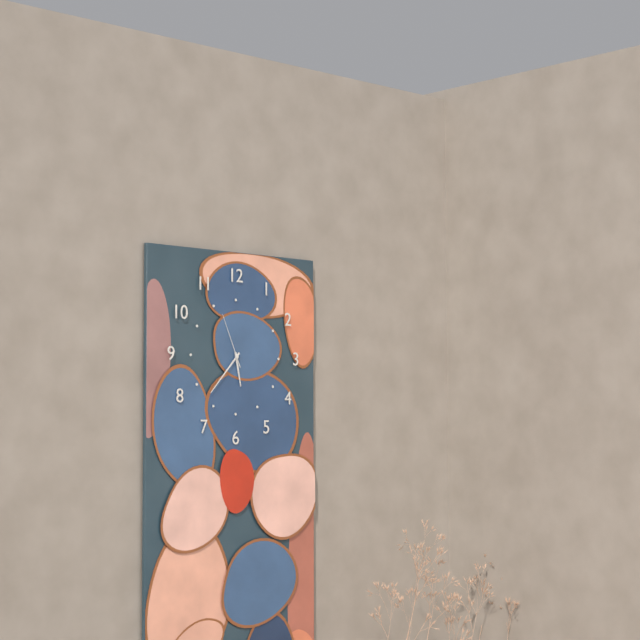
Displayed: 5h37m56s
